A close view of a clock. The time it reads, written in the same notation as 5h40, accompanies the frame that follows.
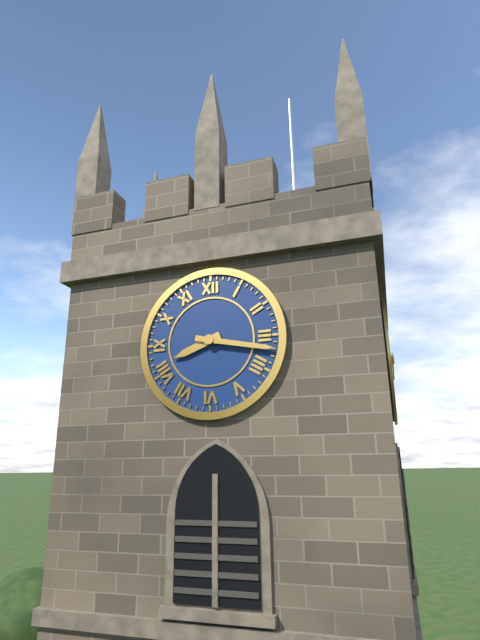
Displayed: 8h17
